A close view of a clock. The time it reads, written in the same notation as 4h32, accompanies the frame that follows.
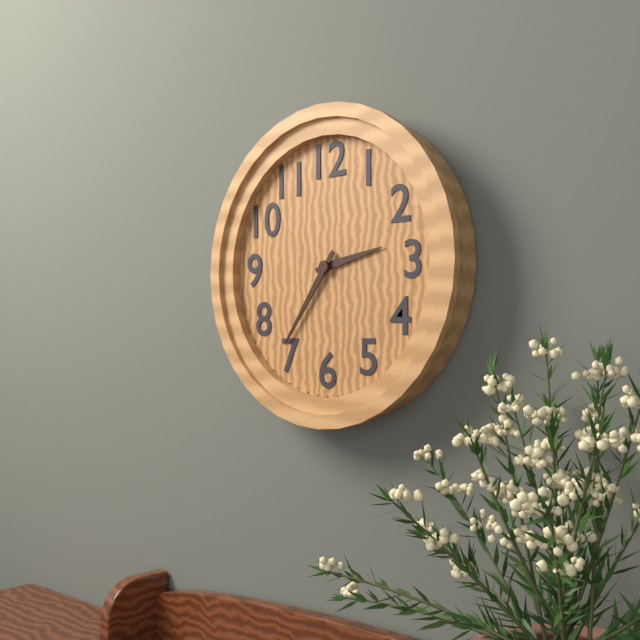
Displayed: 2h36
